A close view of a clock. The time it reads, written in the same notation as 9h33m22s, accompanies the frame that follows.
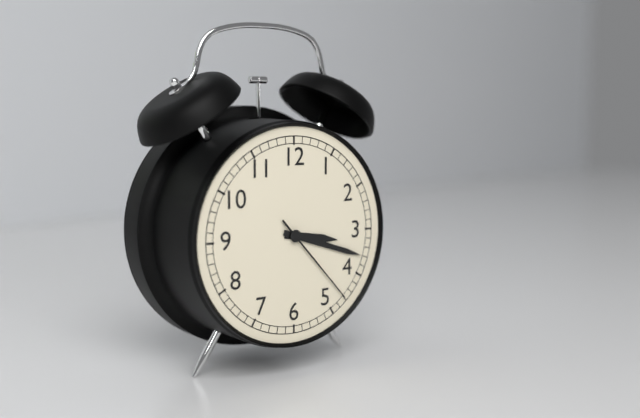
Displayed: 3h18m23s
